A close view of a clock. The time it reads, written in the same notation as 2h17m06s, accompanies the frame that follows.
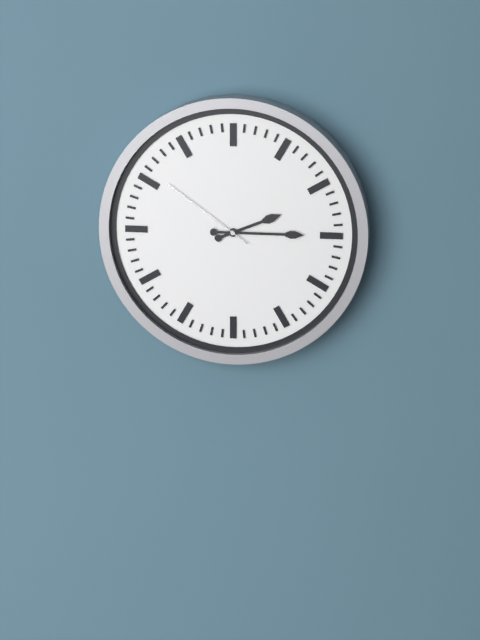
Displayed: 2h15m51s
